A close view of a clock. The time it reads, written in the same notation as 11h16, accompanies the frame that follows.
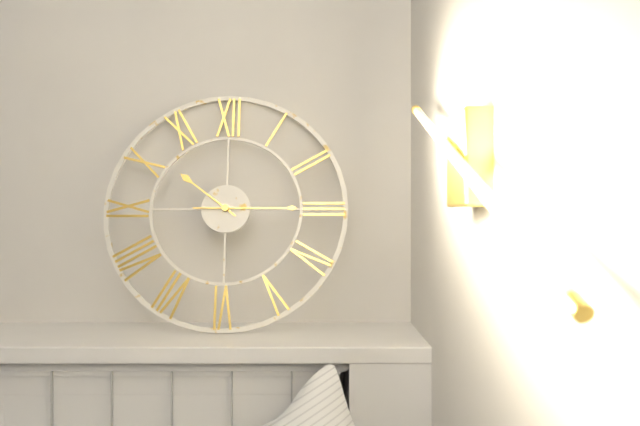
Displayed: 10h15
